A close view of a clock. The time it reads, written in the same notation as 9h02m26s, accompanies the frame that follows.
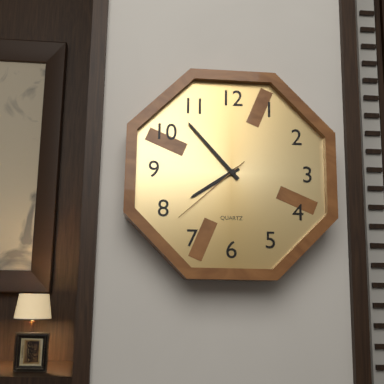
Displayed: 7h53m38s
